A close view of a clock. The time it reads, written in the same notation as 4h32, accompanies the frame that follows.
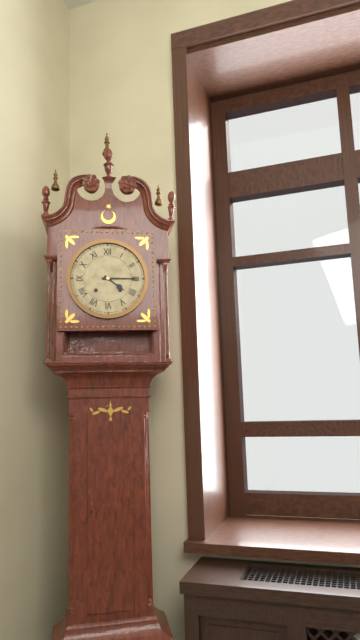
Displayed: 4h15
